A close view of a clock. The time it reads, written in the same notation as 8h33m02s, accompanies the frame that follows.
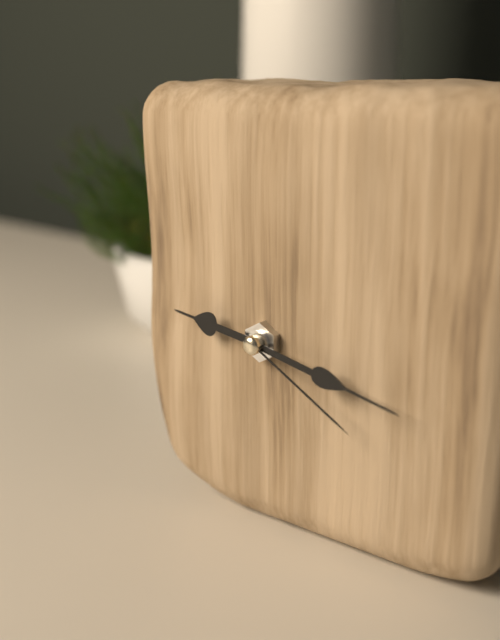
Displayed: 9h17m20s
